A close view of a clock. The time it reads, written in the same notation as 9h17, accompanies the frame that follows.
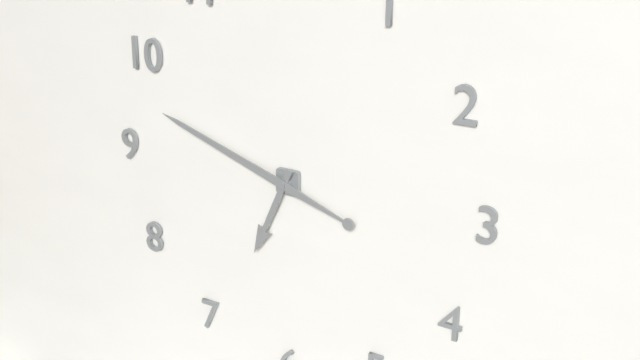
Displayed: 6h48
